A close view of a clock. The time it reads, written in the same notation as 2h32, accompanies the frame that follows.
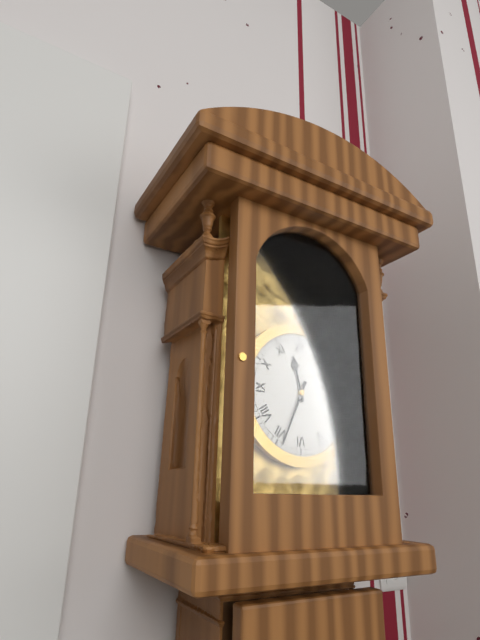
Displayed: 11h34
